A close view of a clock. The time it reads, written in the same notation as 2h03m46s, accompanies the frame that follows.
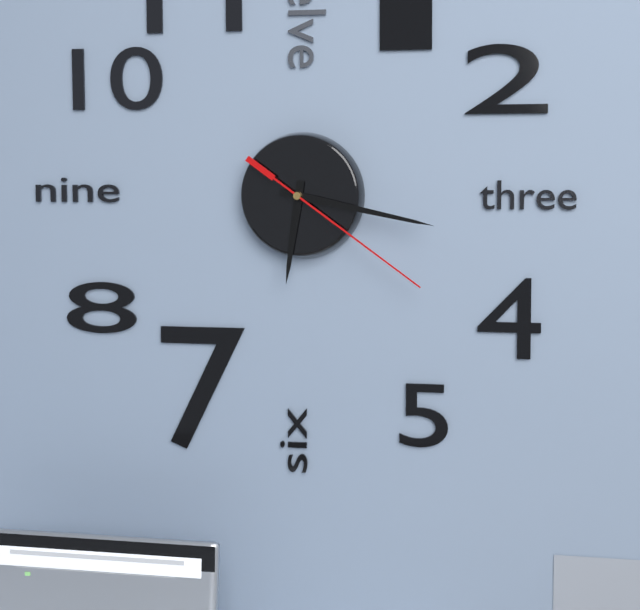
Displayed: 6h17m21s
